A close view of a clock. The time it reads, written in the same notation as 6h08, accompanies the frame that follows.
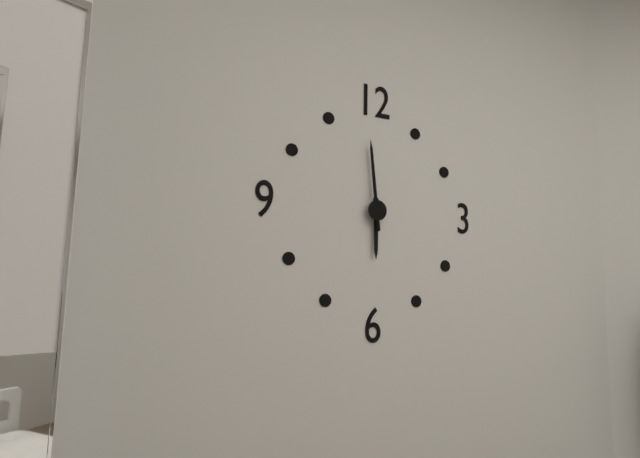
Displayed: 5h59
